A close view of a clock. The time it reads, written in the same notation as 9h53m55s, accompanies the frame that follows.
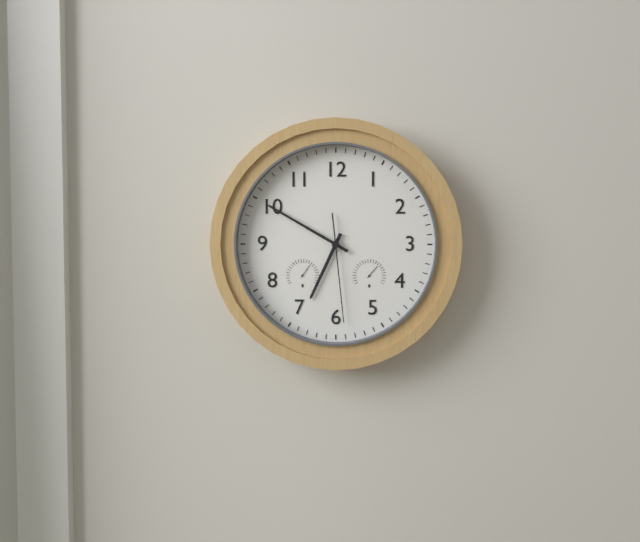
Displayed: 6h50m29s
